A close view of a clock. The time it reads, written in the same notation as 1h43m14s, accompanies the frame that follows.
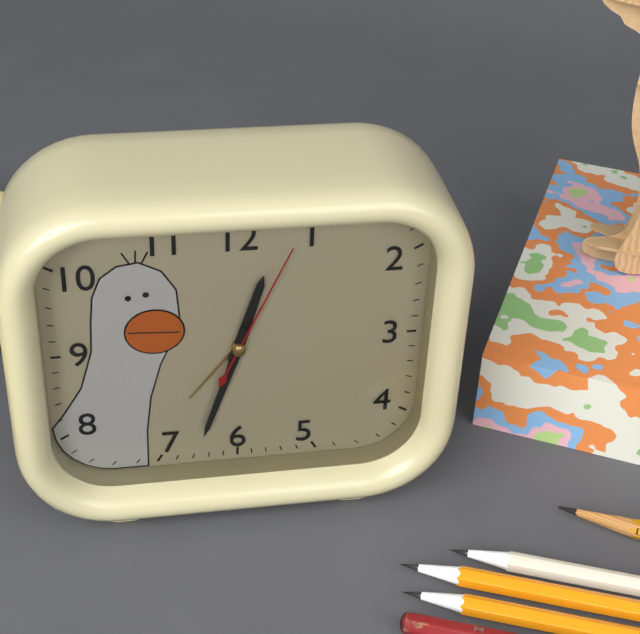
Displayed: 12h33m04s
